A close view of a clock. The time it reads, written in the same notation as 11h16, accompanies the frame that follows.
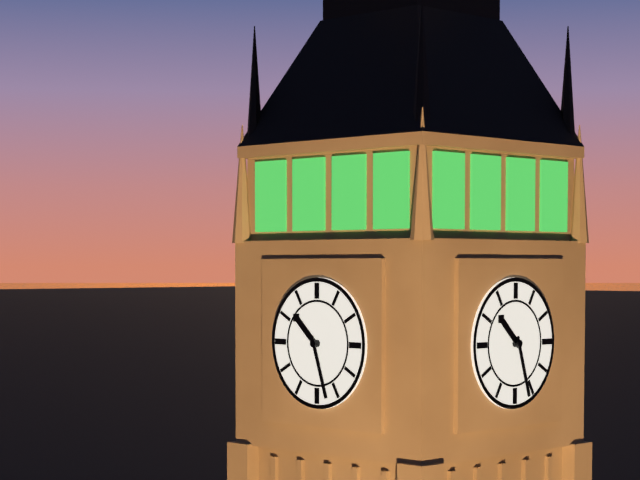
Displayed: 10h27
